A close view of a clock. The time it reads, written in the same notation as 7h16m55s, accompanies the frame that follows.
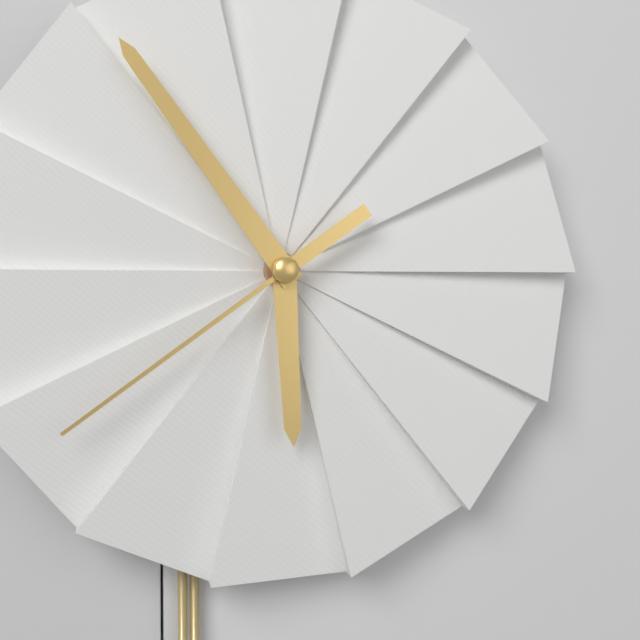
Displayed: 5h54m39s
